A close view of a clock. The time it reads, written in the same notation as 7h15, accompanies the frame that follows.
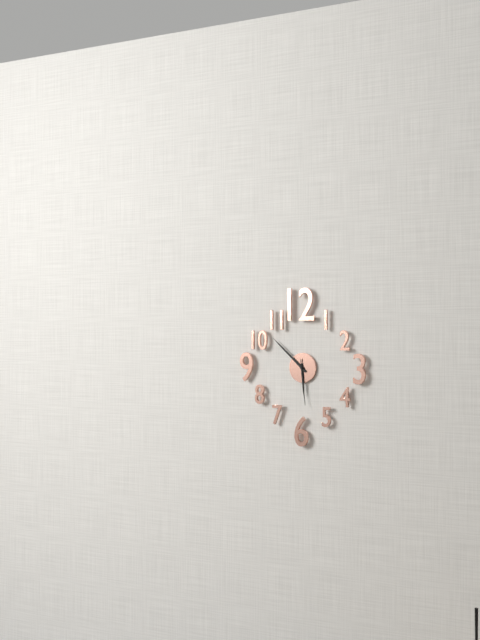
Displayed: 5h52
